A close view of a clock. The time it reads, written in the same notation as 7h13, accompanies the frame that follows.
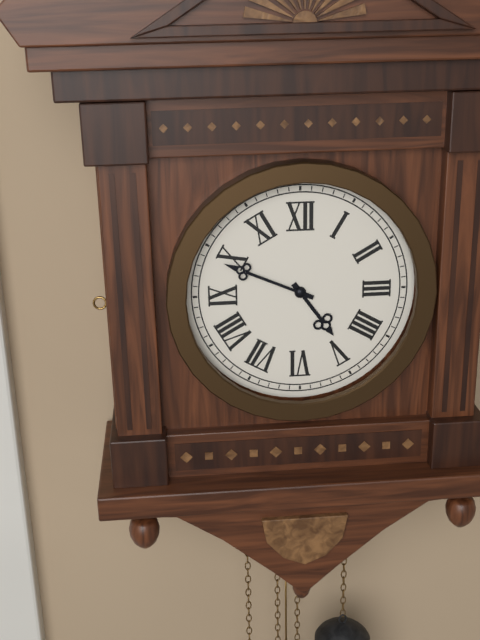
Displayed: 4h49
